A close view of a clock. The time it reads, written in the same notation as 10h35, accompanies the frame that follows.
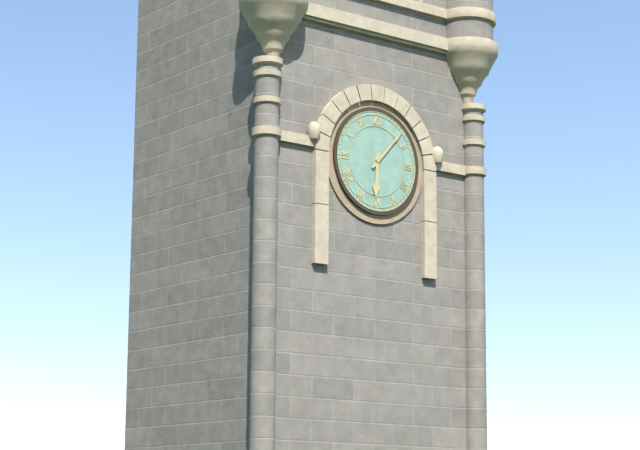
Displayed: 6h07
